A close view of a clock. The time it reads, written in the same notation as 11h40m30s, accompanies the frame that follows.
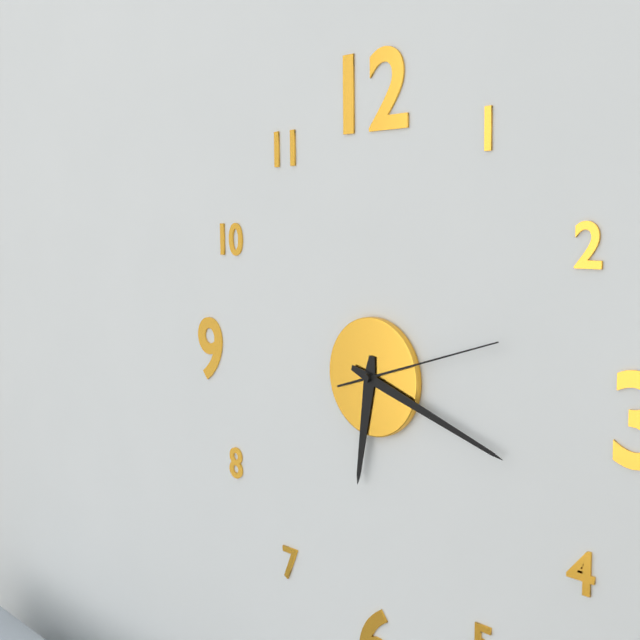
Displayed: 6h18m12s
